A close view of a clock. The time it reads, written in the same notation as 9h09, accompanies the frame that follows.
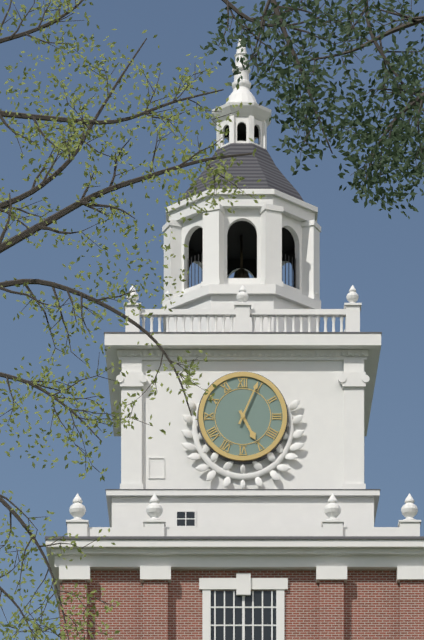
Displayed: 5h04
